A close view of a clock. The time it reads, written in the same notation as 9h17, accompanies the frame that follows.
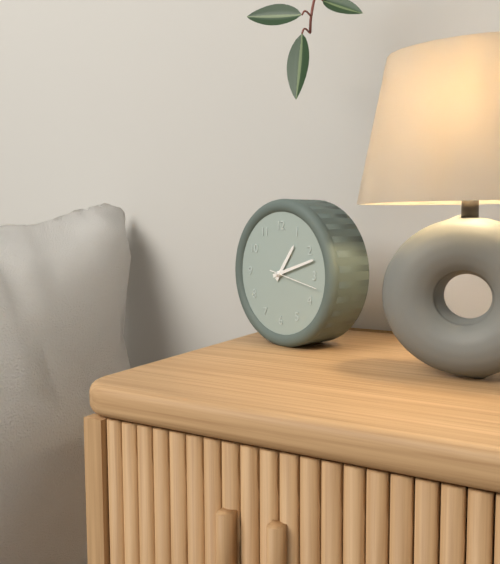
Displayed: 1h12
